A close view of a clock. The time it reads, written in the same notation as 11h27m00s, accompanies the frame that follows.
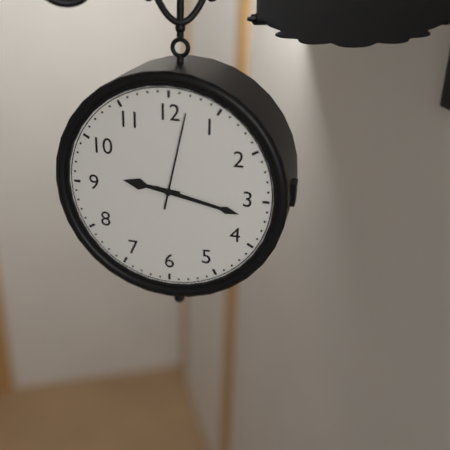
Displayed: 9h17m02s
